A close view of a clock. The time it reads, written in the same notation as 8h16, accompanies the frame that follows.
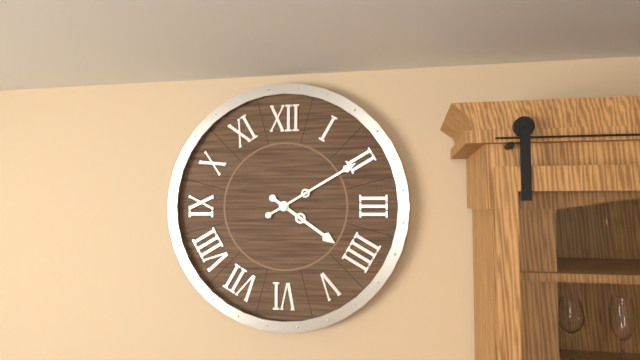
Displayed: 4h10
